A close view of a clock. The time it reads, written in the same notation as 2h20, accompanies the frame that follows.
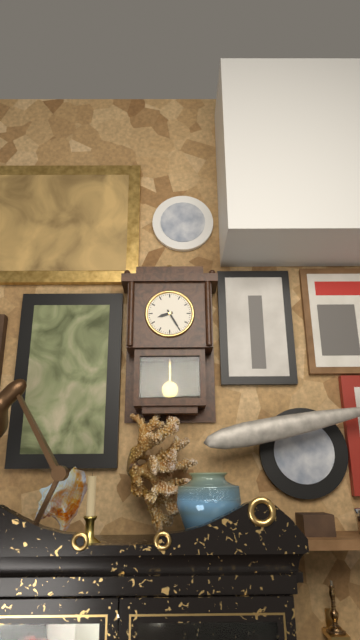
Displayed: 8h25
